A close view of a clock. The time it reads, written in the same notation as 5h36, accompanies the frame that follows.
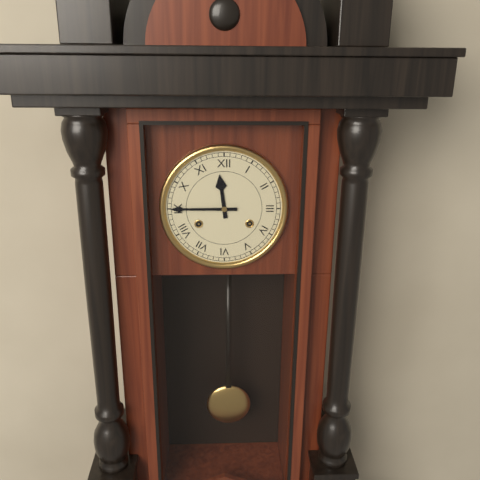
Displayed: 11h45
